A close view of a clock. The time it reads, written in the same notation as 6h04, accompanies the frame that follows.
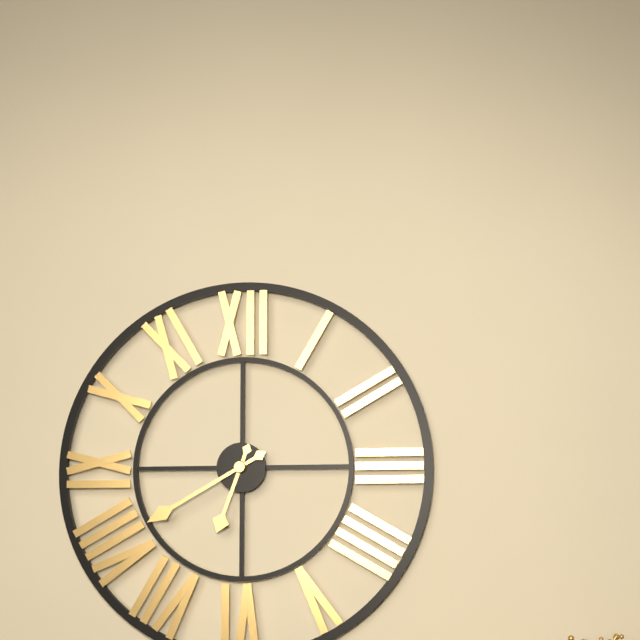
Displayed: 6h40
